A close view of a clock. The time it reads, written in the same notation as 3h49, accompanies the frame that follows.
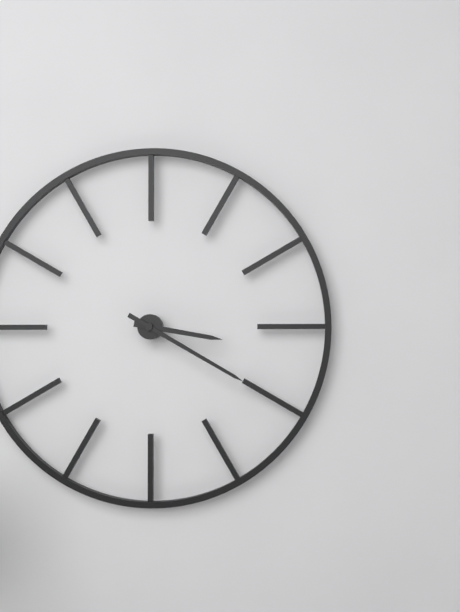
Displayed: 3h20
